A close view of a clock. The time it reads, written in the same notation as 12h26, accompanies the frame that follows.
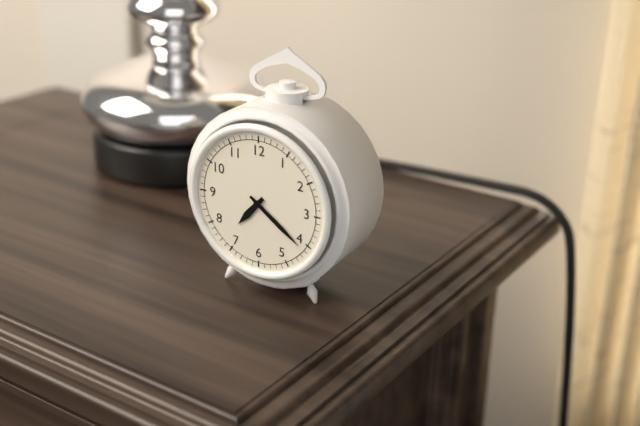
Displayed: 7h21
